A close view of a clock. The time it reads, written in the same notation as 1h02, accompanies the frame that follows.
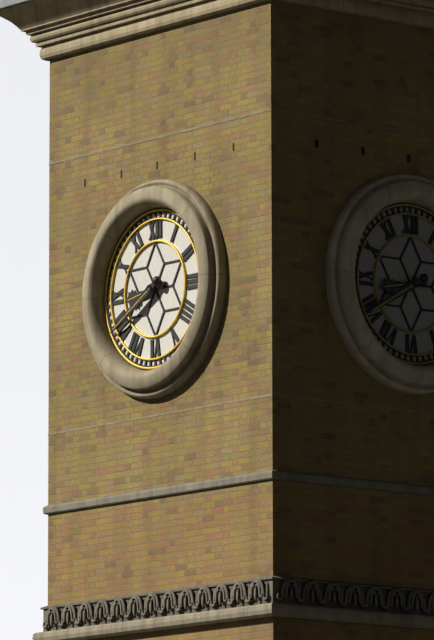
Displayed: 8h40
